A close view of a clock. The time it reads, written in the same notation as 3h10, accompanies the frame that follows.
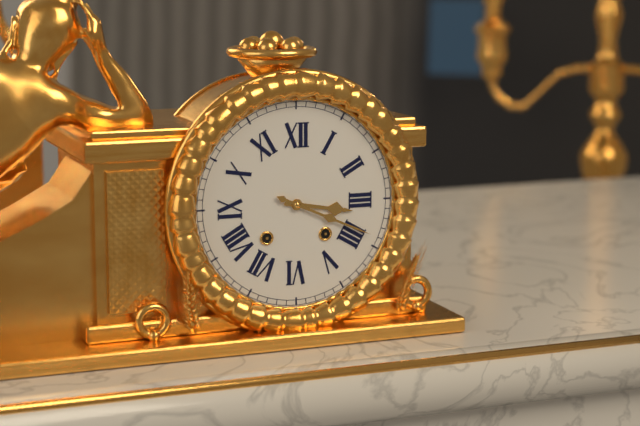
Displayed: 3h19
